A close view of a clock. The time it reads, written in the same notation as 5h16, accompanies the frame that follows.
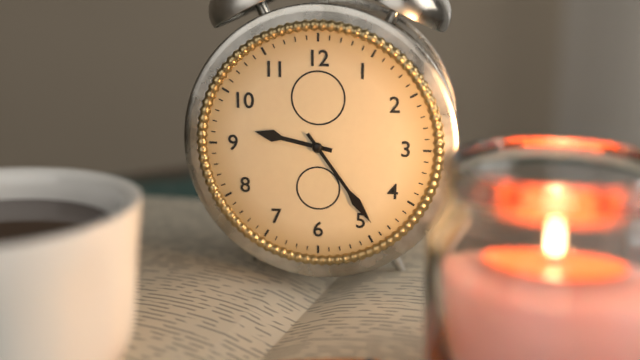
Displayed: 9h24
